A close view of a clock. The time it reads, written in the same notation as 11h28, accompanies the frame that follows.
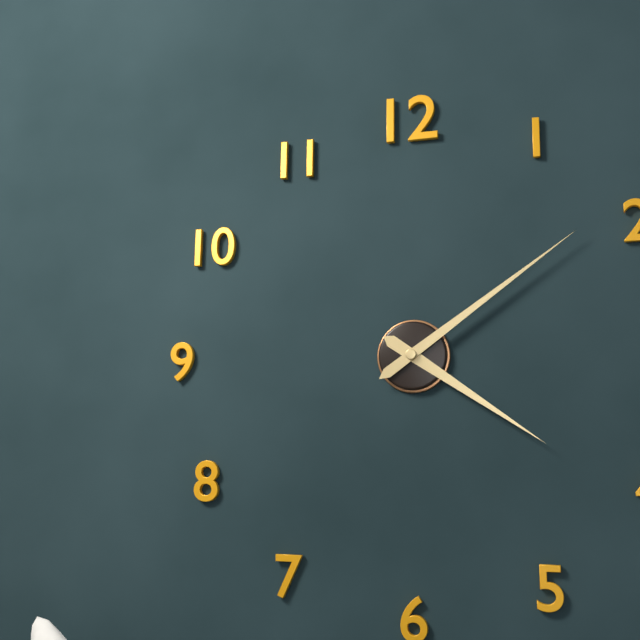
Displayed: 4h09
